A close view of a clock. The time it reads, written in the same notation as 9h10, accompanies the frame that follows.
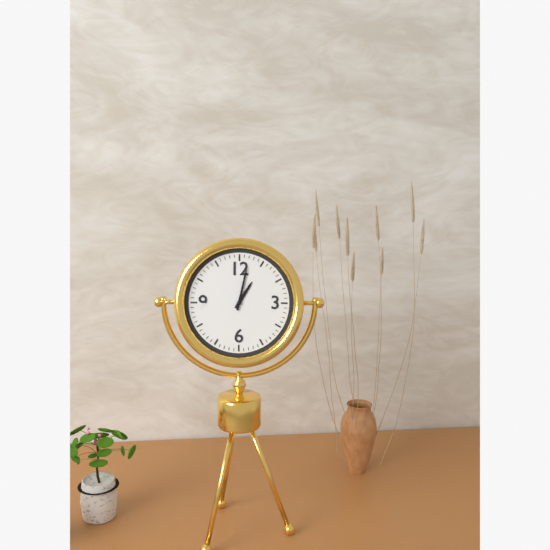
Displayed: 1h02
